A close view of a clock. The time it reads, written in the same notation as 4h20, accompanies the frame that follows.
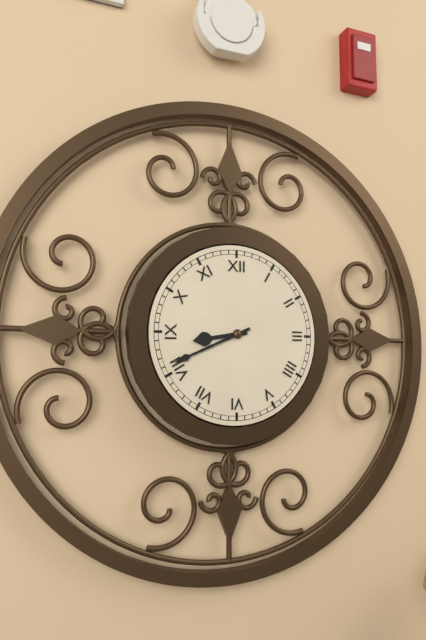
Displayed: 8h41
